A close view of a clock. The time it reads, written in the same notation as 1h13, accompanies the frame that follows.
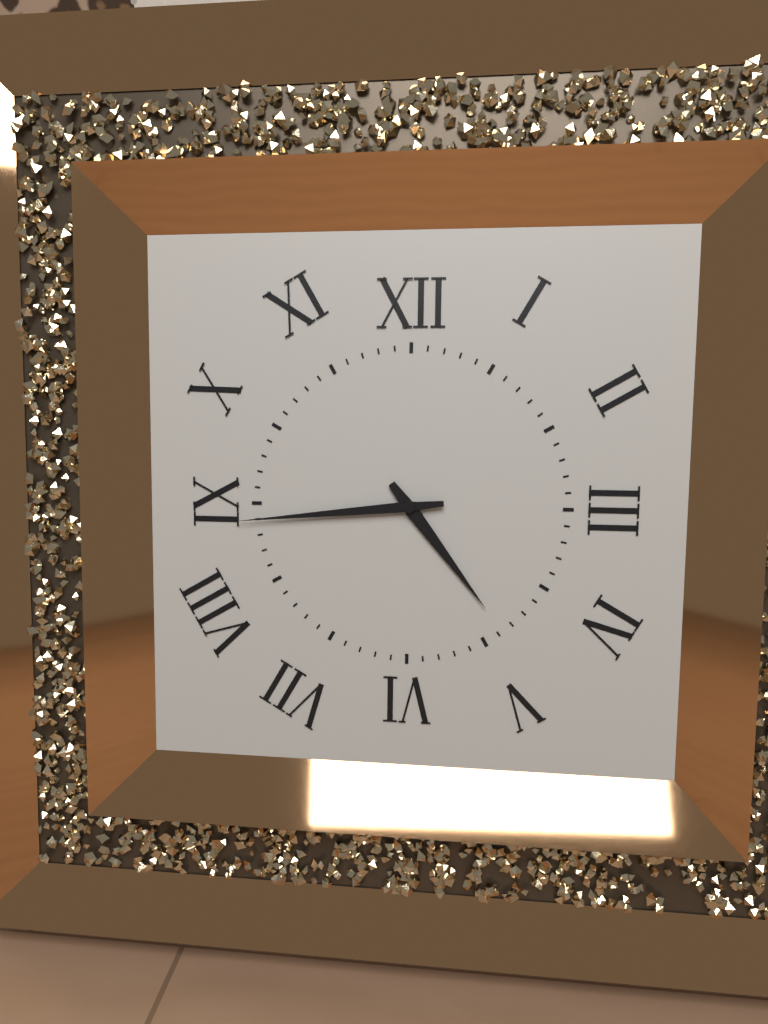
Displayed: 4h44
